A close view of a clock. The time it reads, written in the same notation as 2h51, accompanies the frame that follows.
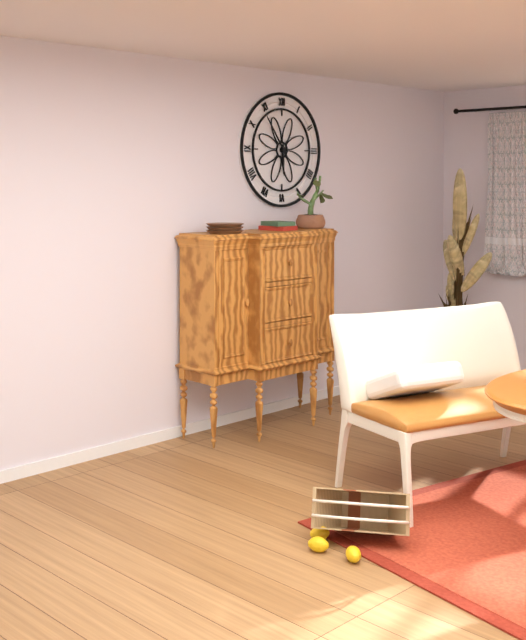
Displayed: 5h54
